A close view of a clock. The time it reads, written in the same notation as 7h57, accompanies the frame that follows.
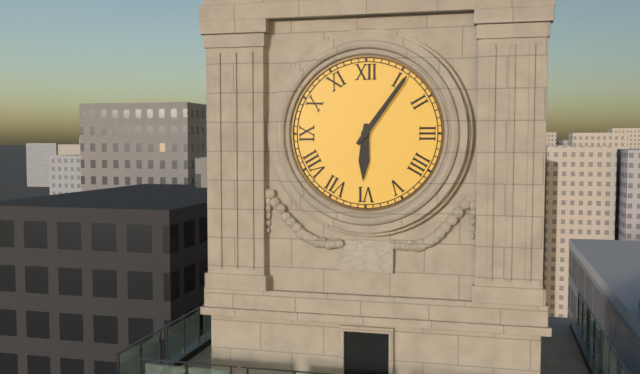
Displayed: 6h06
